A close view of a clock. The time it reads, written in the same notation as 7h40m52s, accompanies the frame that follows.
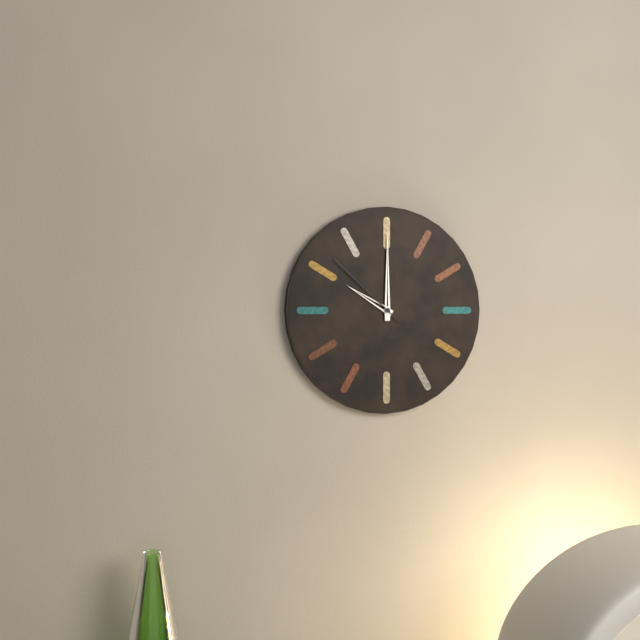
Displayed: 10h00m52s
